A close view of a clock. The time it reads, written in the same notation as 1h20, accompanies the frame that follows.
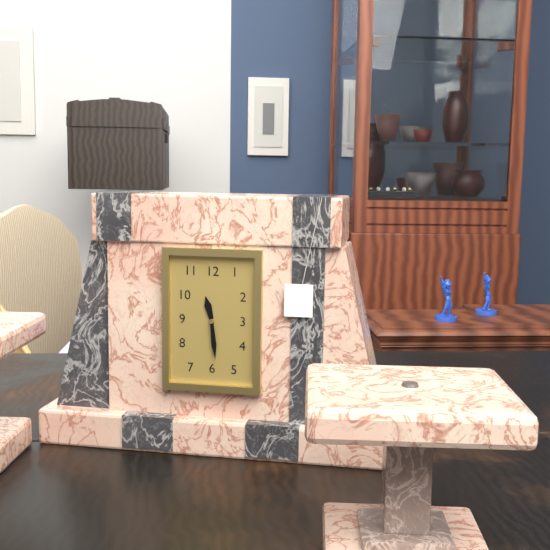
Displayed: 11h29
